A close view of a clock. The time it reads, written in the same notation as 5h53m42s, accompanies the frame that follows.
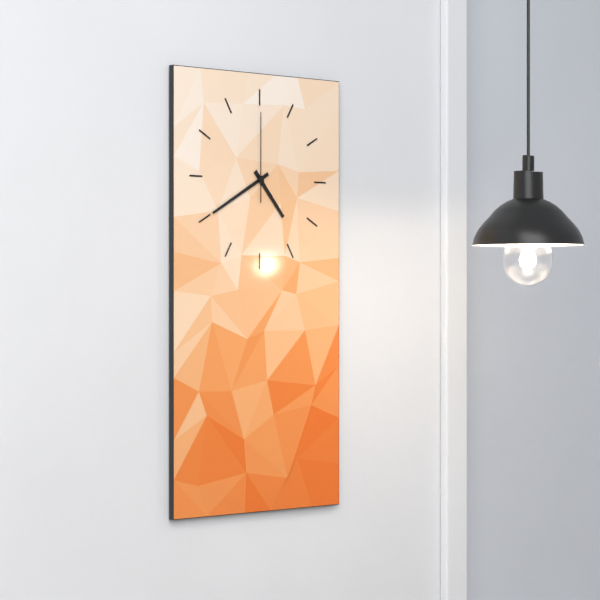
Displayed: 4h40m00s
